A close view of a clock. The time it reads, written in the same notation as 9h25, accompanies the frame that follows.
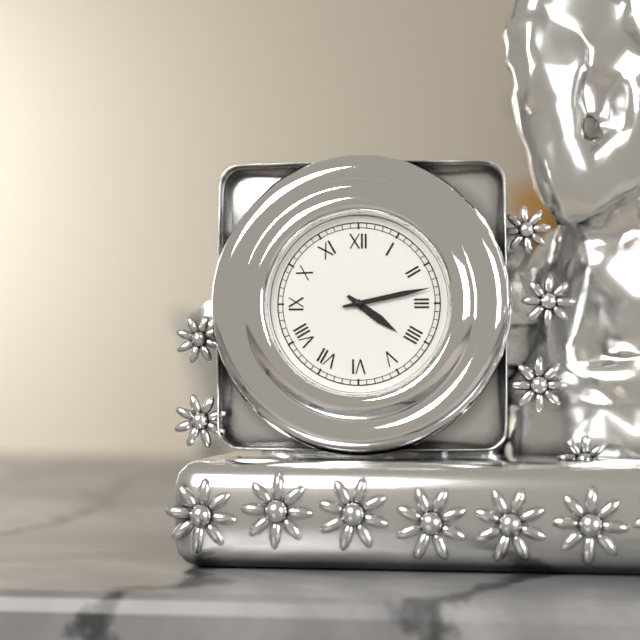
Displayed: 4h13
